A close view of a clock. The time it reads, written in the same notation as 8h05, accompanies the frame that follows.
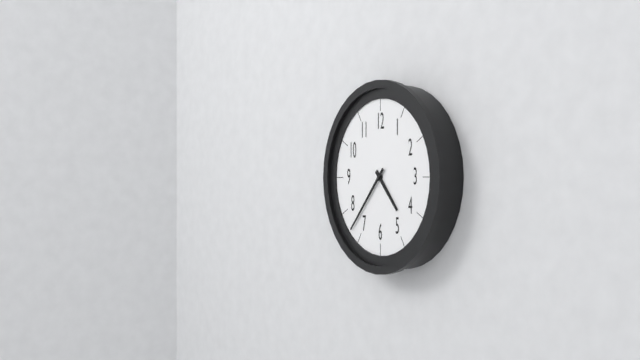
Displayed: 4h37
